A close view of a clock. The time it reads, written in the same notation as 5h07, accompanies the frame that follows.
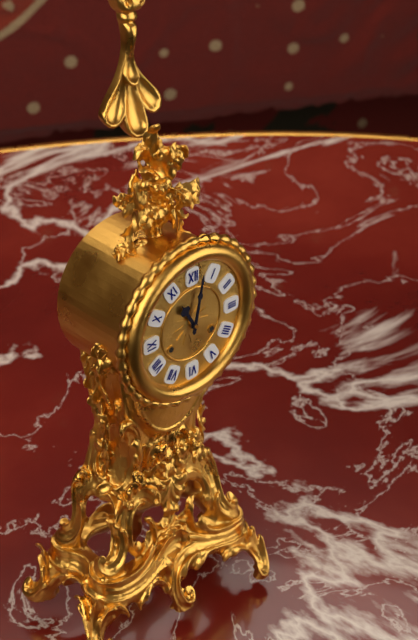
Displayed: 11h02
